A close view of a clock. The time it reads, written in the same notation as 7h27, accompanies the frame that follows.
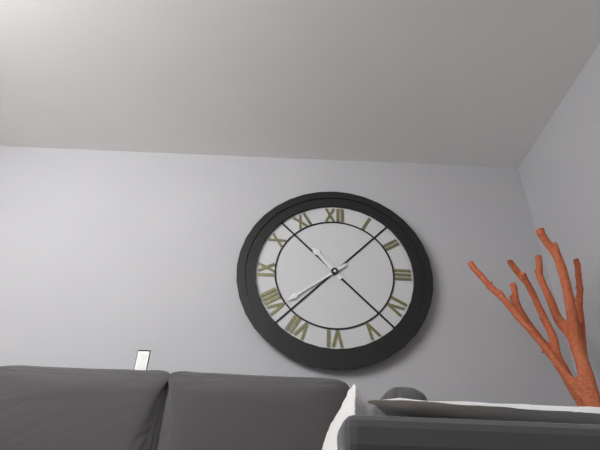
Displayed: 10h39
